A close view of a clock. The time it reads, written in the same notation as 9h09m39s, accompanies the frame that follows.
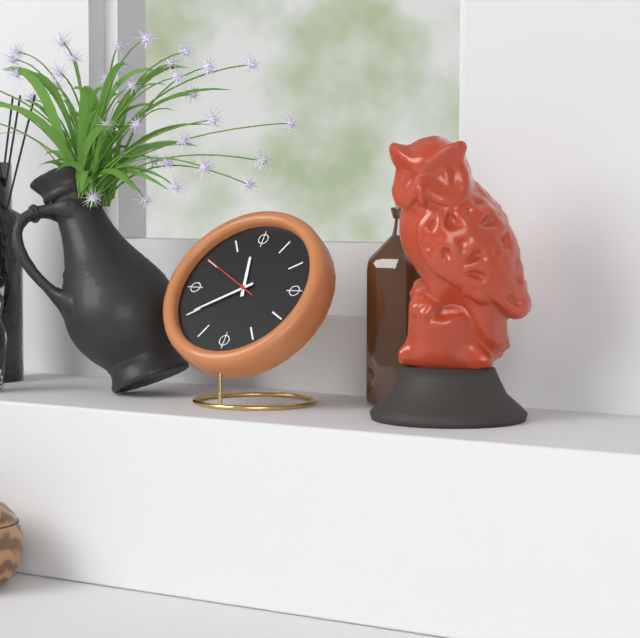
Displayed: 11h40m50s
